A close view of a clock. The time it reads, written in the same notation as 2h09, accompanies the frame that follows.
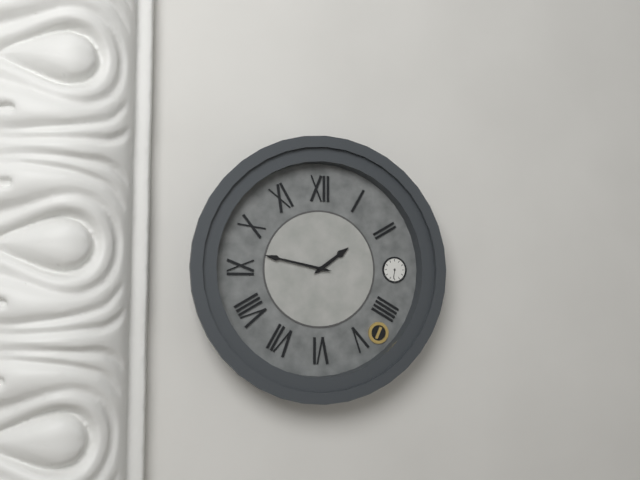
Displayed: 1h47
